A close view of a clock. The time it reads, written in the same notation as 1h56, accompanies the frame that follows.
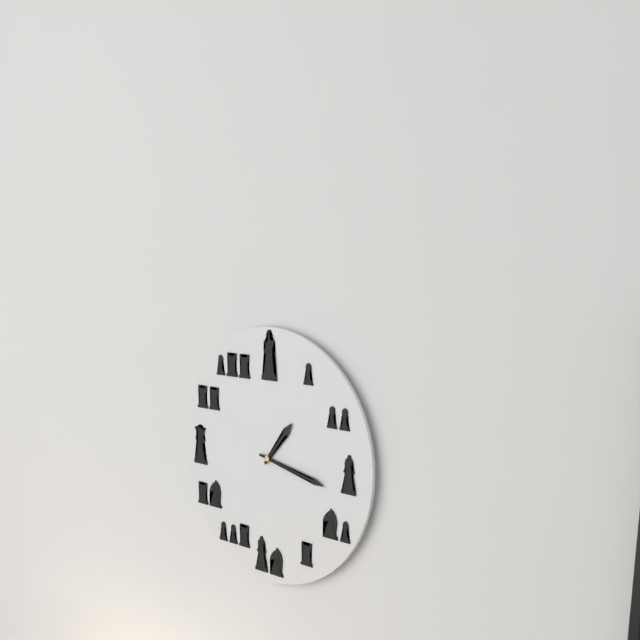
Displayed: 1h17
